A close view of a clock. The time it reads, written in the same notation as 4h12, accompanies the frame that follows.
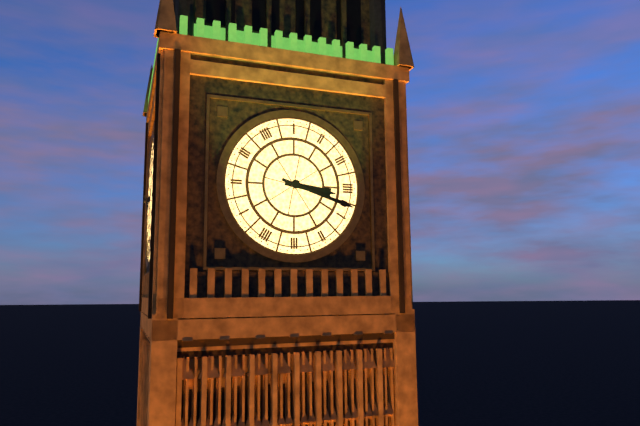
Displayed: 3h18
